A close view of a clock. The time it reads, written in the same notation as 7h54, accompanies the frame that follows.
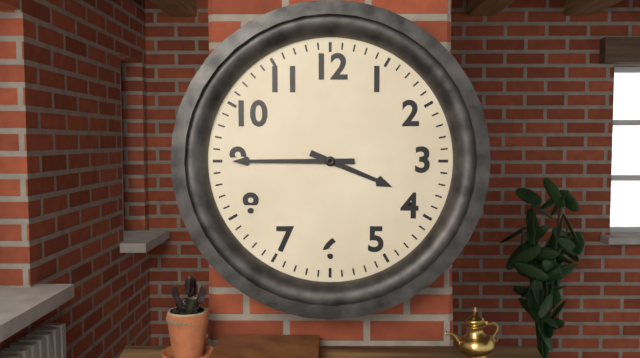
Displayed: 3h45
